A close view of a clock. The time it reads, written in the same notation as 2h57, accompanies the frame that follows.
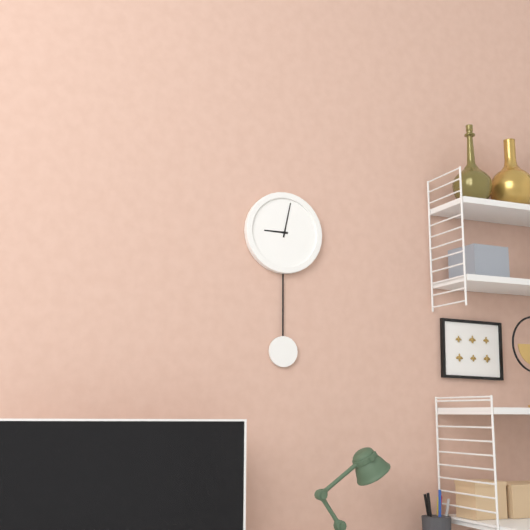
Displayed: 9h02
